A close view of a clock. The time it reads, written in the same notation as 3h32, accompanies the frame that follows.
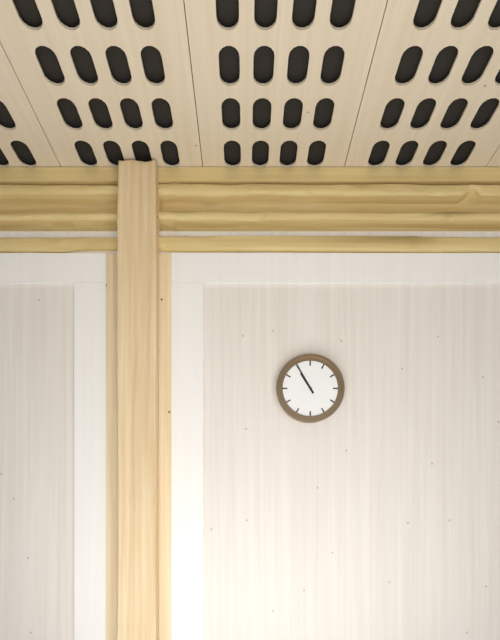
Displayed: 10h55
